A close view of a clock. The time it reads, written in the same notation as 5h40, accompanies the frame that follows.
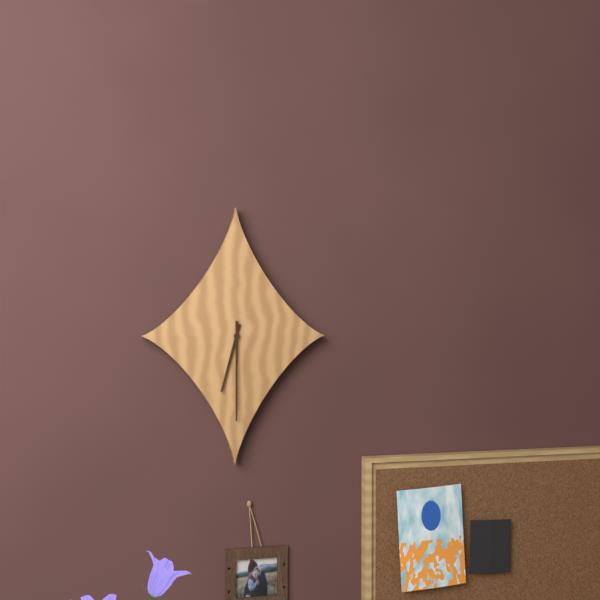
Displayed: 6h30
